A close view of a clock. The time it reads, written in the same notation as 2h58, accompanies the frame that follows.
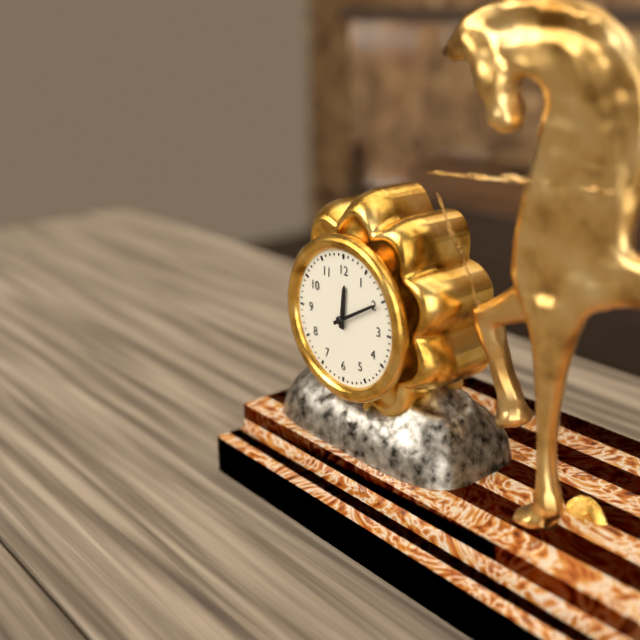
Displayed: 12h10
